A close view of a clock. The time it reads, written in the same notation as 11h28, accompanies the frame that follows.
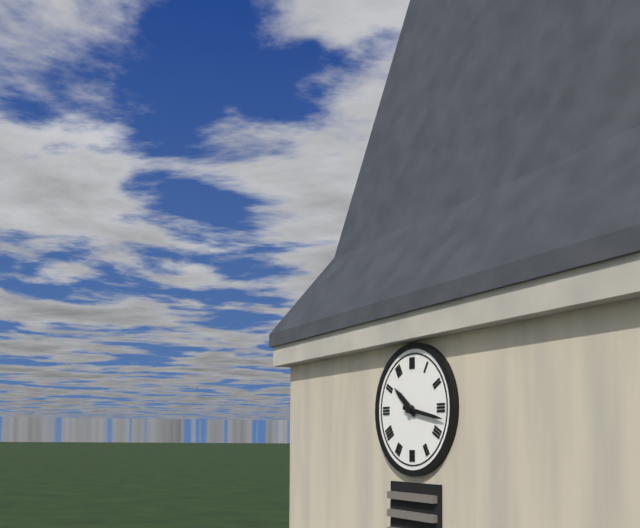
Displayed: 10h17
